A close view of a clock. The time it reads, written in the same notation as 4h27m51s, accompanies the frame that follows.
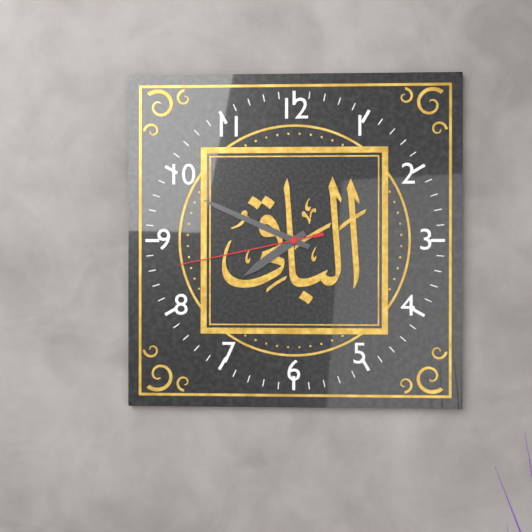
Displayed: 7h49m43s
